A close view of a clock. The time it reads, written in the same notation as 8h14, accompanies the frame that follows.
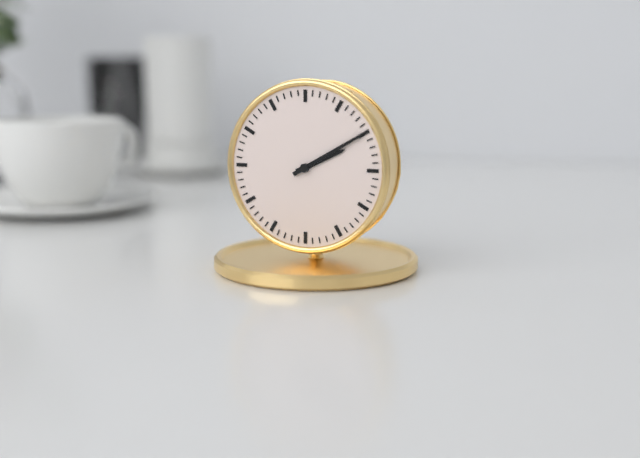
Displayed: 2h10
